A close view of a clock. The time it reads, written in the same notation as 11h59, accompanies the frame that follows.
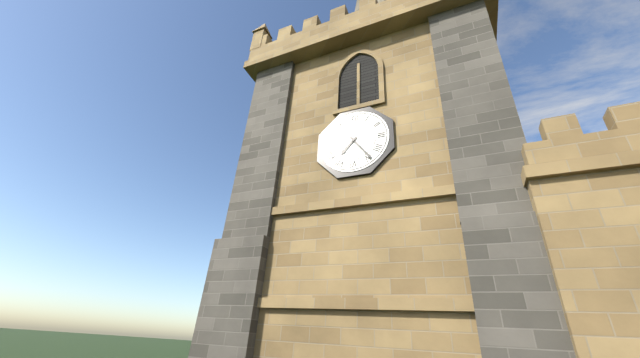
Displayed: 7h24
